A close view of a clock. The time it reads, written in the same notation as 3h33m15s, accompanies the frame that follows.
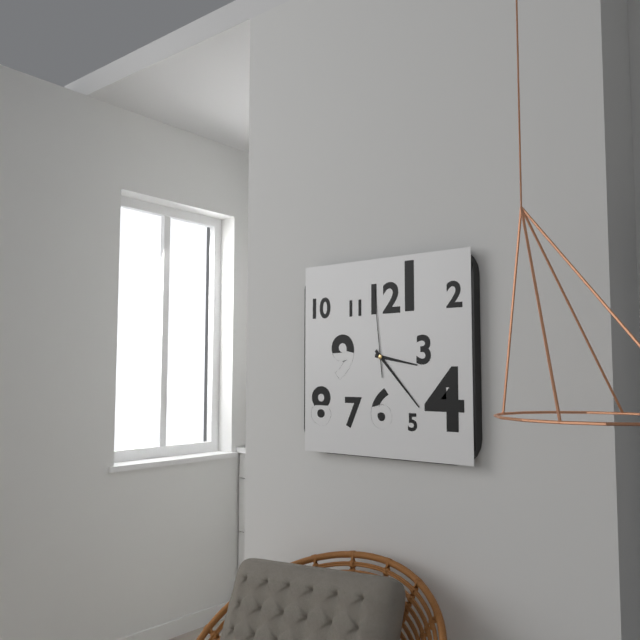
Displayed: 3h23m59s
